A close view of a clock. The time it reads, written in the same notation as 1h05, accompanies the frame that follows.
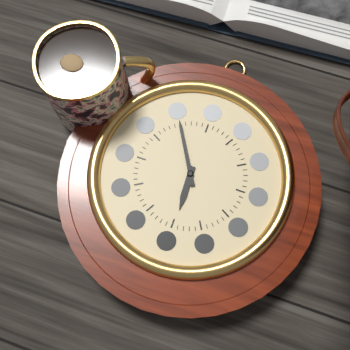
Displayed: 5h55
